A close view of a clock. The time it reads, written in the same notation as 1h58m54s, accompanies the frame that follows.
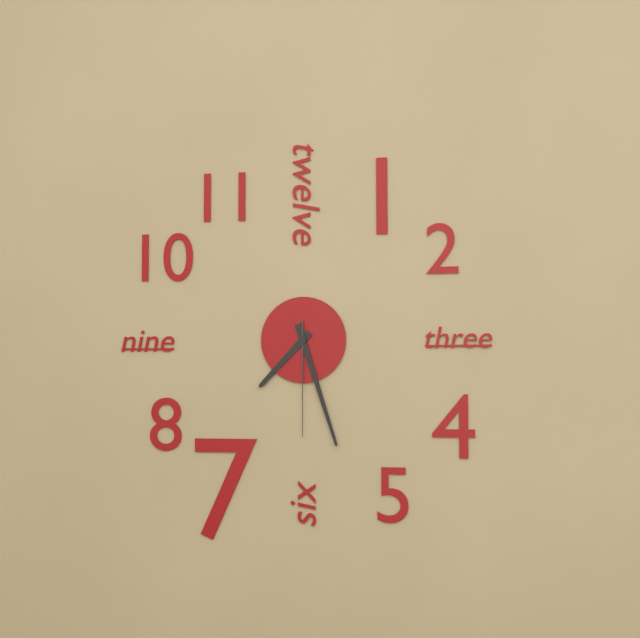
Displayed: 7h27m30s
